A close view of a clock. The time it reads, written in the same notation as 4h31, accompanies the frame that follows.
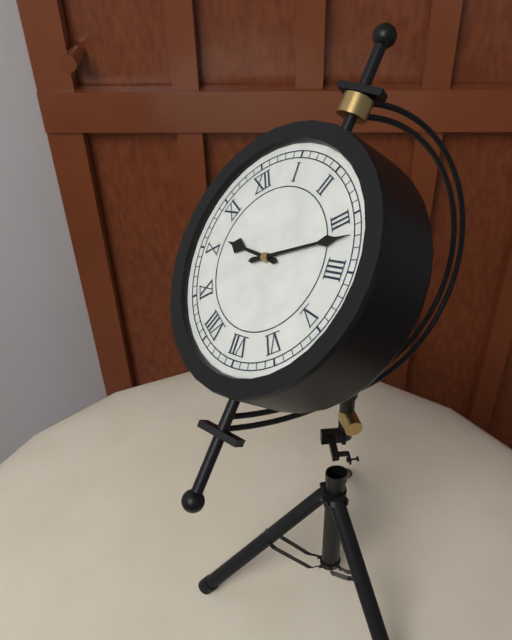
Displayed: 10h17
